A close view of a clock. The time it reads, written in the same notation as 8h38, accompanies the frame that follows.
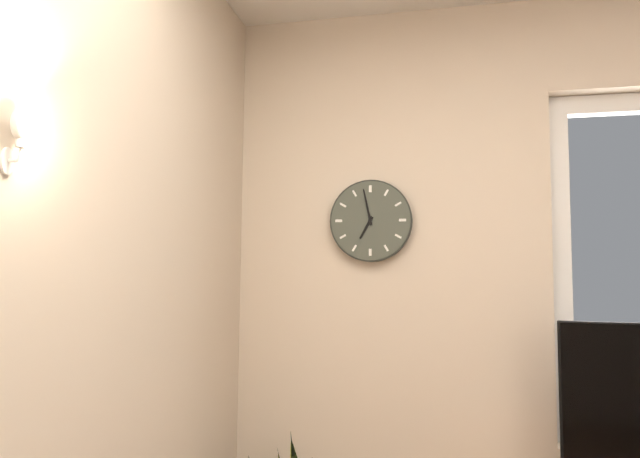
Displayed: 6h58
